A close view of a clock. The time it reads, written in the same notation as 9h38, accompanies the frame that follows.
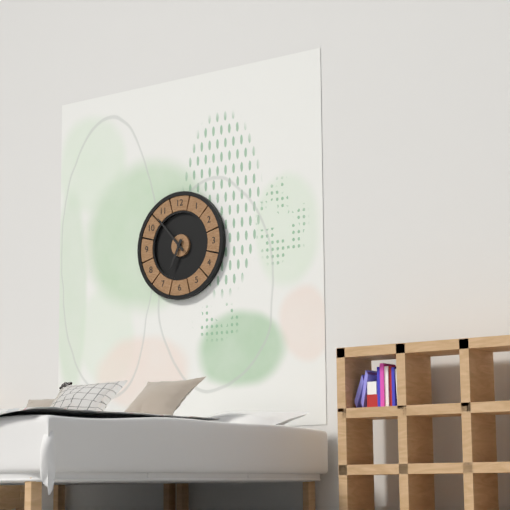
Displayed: 6h53
